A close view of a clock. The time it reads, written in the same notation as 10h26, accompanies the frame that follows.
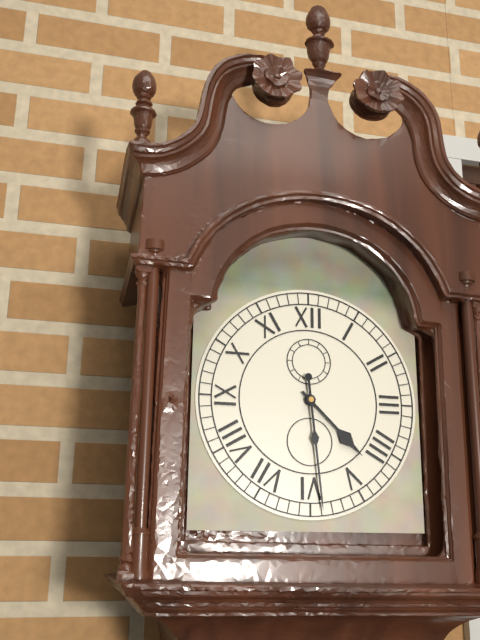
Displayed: 4h29
